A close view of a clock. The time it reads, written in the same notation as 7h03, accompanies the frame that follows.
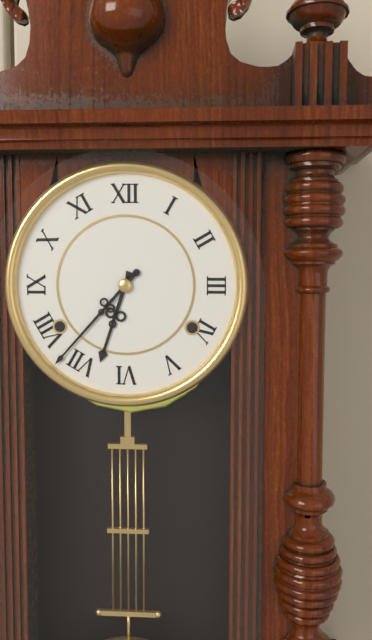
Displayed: 6h37
